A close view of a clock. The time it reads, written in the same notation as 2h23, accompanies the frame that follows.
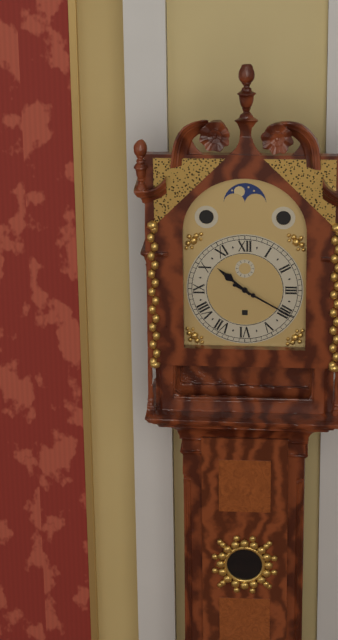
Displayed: 10h20
